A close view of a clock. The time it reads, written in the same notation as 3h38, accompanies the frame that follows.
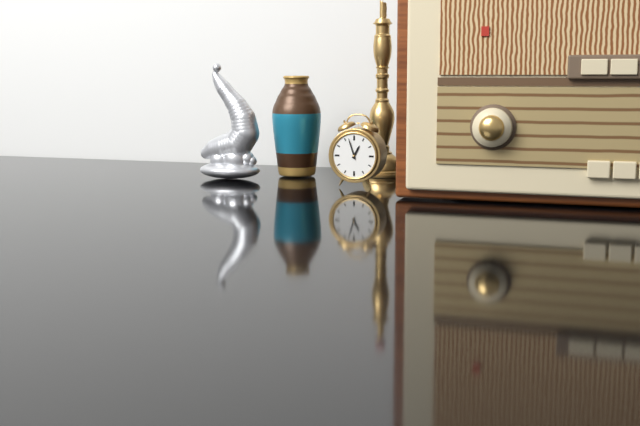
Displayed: 12h57
